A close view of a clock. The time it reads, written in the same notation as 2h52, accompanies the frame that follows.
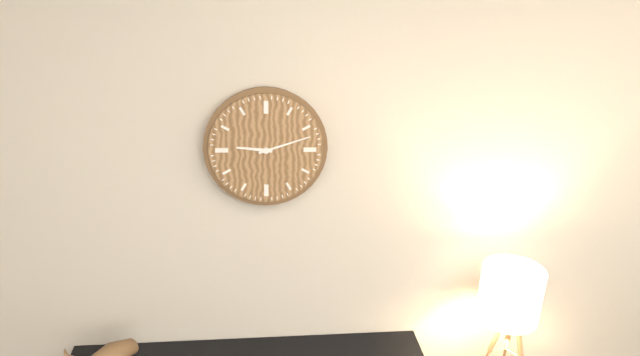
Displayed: 9h12
